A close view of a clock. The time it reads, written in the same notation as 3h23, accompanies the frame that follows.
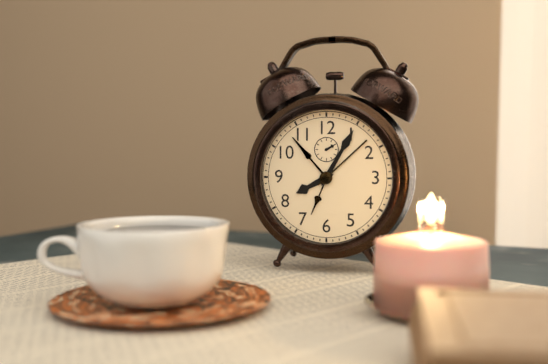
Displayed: 8h05
